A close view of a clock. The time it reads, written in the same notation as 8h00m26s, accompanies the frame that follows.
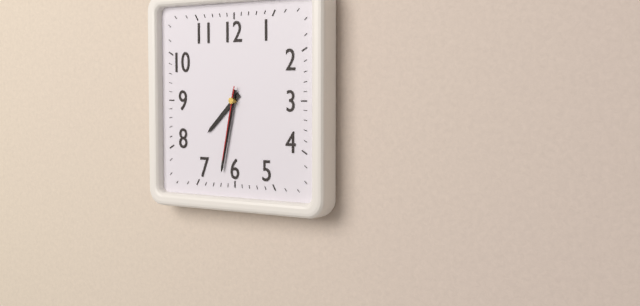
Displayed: 7h32m32s
